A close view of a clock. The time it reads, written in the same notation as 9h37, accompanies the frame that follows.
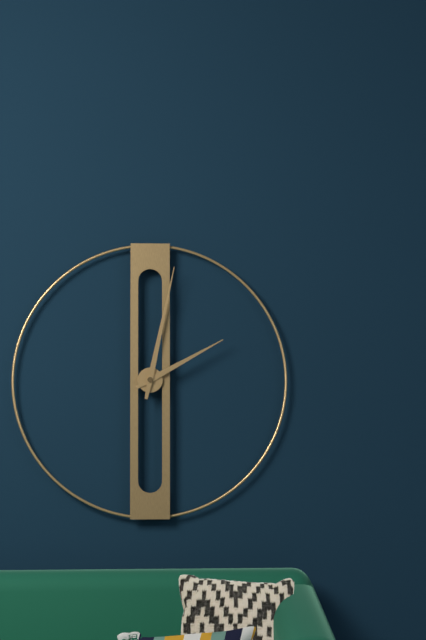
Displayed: 2h02
